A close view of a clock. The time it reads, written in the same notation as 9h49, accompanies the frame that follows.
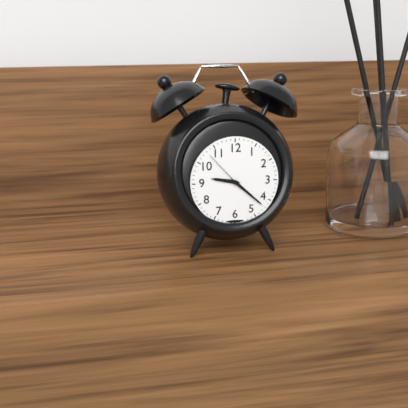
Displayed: 9h22
